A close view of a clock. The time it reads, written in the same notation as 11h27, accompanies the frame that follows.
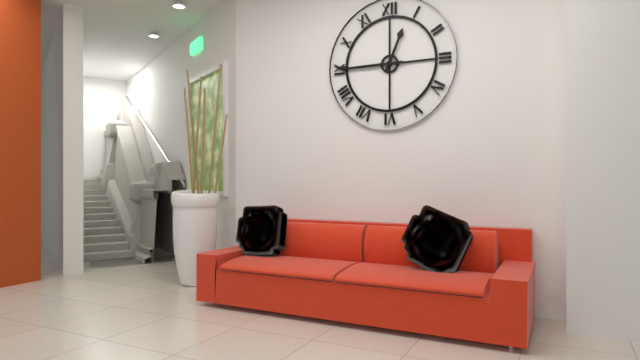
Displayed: 12h45
